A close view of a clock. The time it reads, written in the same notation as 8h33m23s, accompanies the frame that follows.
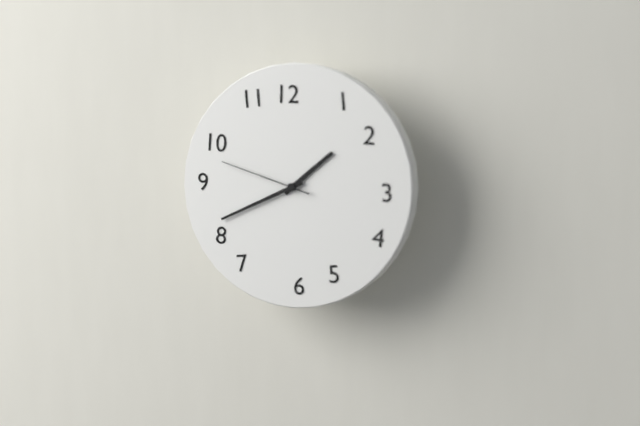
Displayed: 1h41m48s
